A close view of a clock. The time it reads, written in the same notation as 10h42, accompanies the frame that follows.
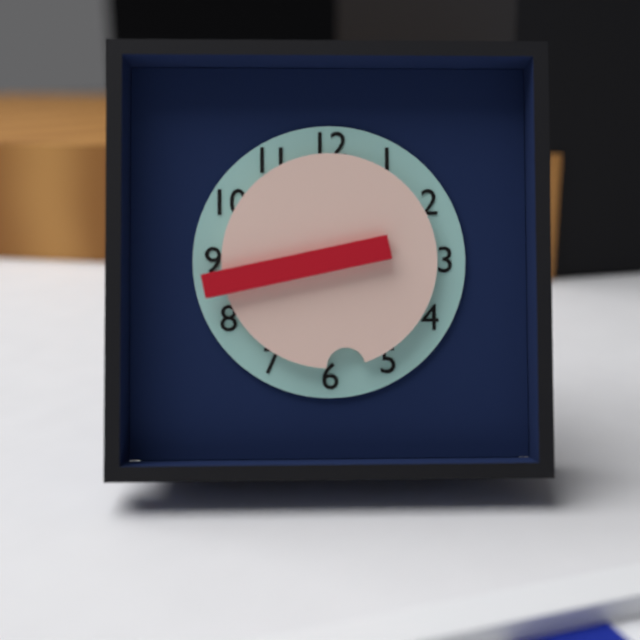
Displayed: 5h43
